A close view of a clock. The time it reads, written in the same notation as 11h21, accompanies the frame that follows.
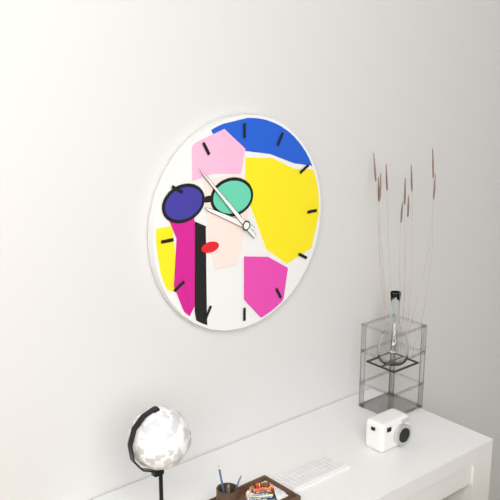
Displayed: 9h53
